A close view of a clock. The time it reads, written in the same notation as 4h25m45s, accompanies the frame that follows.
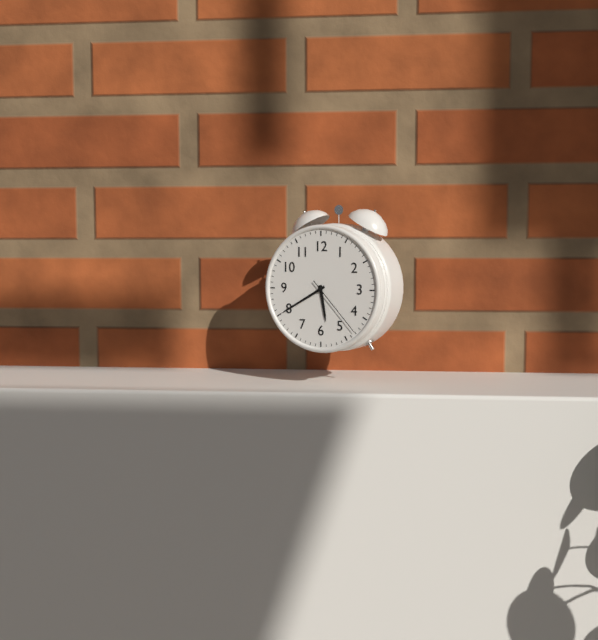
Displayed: 5h40m23s
